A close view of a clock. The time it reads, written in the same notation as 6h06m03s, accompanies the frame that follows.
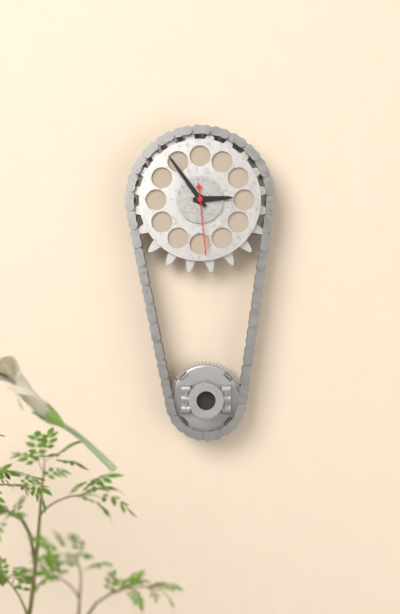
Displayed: 2h54m29s
